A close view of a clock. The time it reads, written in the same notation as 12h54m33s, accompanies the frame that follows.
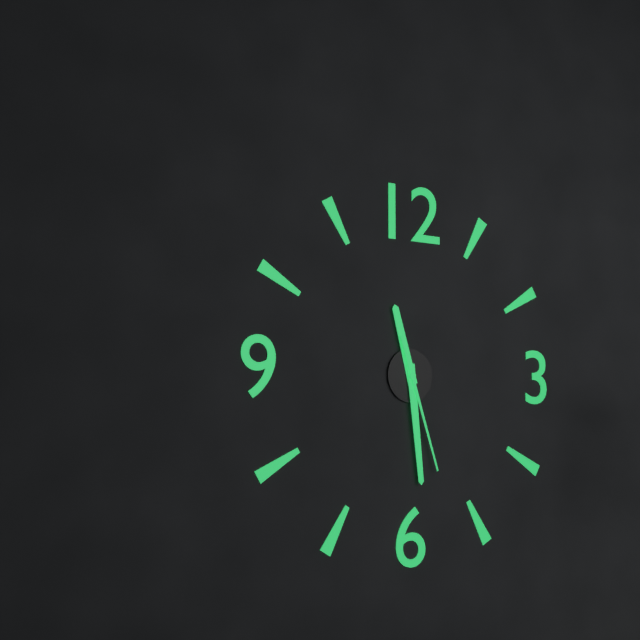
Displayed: 11h29m27s
